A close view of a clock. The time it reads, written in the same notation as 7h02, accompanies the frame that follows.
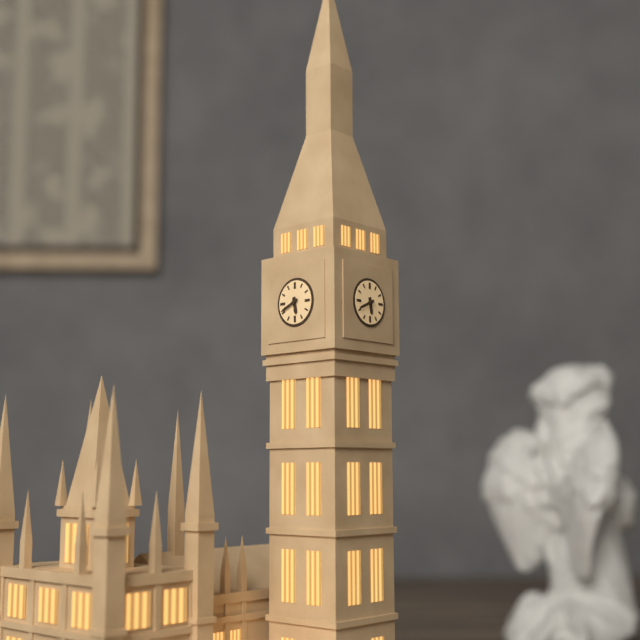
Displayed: 5h41
